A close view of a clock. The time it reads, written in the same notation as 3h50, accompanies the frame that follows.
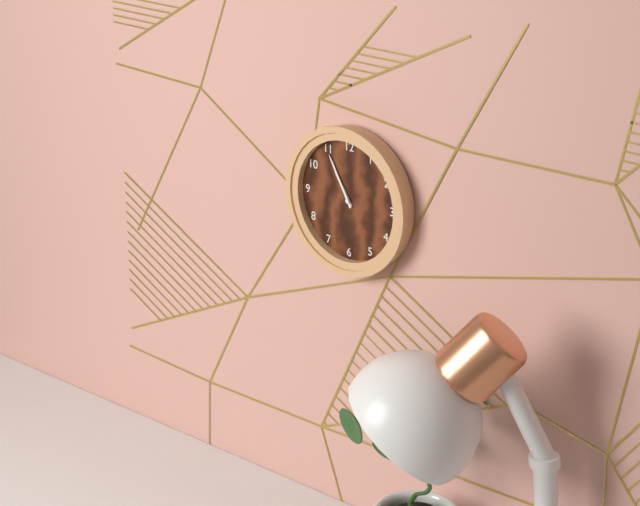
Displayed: 10h55
